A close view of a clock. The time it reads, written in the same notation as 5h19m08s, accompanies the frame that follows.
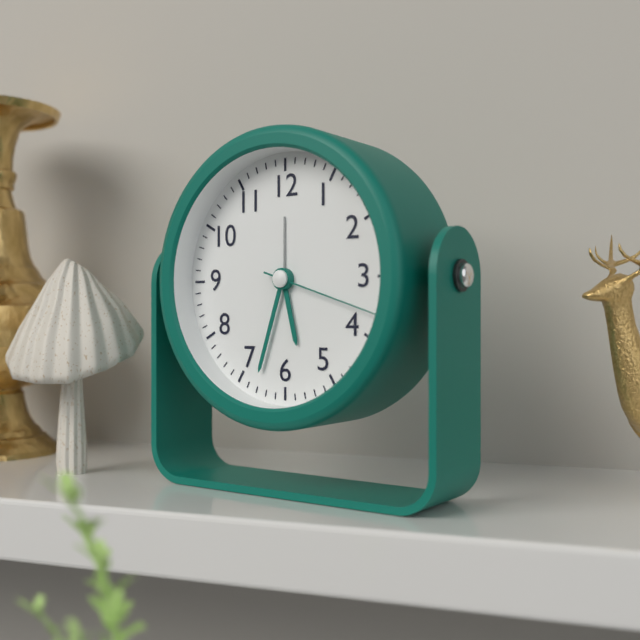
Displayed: 5h33m18s
